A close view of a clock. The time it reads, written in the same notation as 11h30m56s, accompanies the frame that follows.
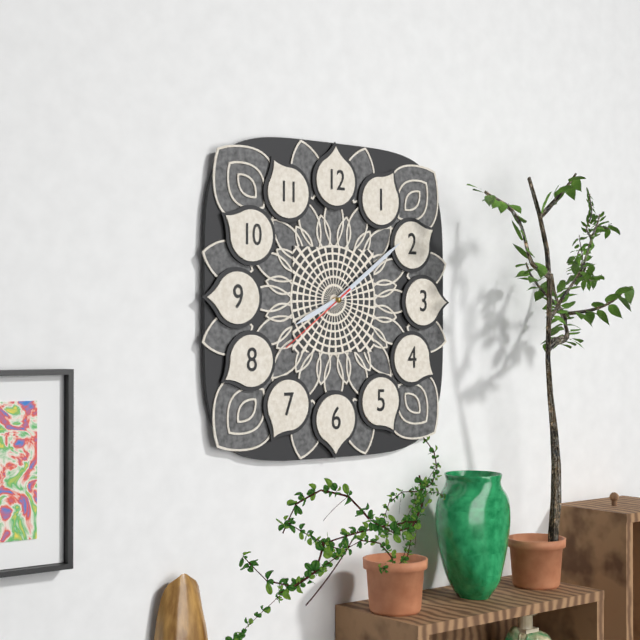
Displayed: 8h09m39s
